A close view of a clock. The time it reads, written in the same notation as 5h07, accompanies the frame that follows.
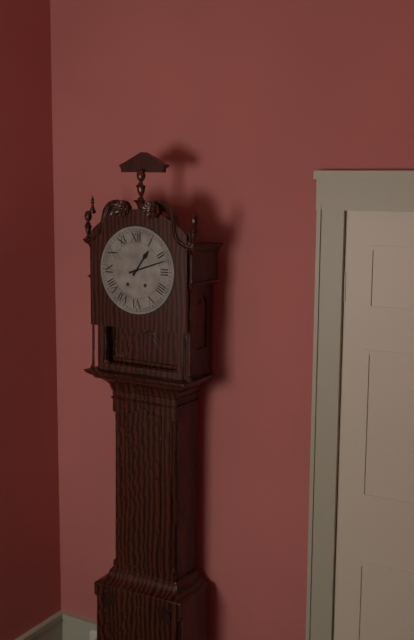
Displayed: 1h12
